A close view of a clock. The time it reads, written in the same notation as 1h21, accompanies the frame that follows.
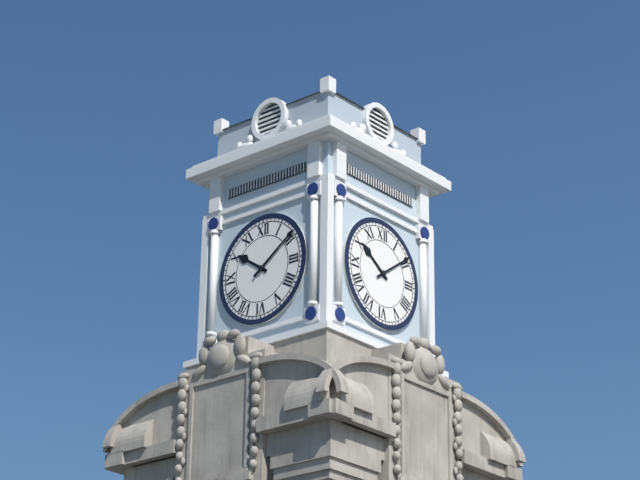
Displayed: 10h09
